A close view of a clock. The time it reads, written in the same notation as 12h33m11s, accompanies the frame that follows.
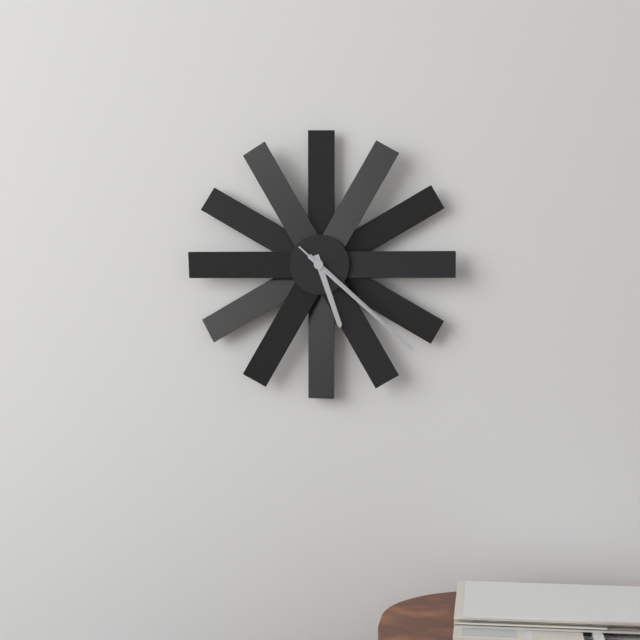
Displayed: 5h22m22s
